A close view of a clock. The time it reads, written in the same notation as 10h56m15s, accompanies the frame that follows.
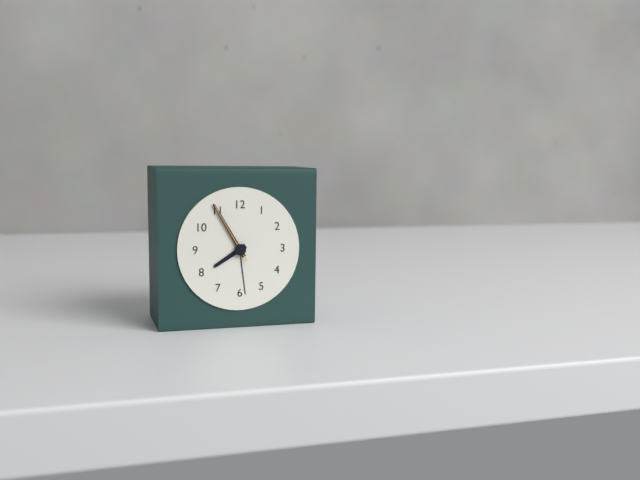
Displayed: 7h55m55s
